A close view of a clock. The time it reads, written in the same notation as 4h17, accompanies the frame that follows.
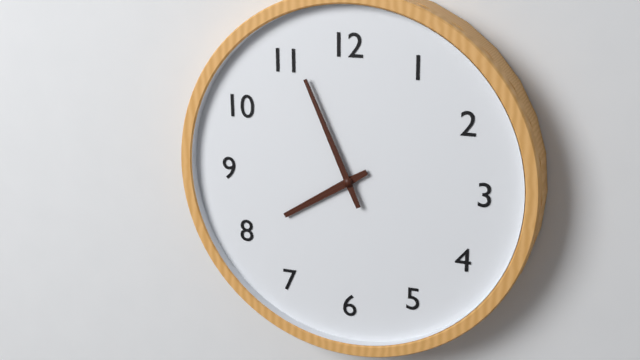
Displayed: 7h56
